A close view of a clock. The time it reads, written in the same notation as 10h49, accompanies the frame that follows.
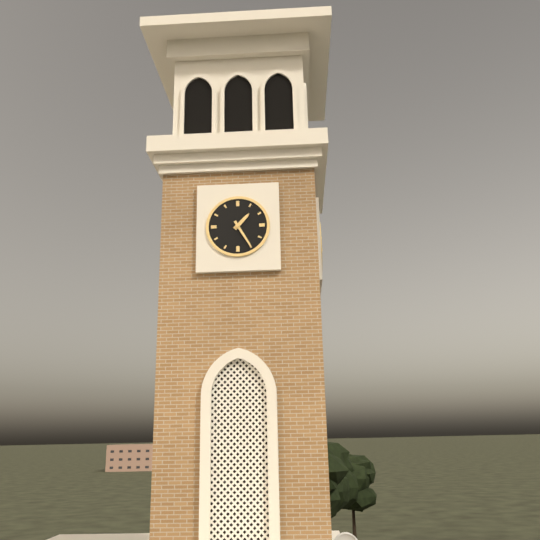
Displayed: 1h25
